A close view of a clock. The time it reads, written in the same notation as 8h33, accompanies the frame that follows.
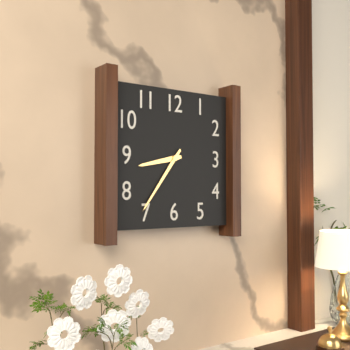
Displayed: 8h36
